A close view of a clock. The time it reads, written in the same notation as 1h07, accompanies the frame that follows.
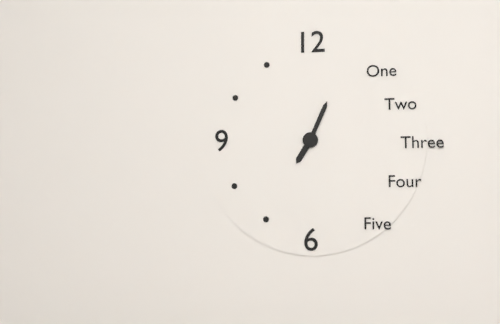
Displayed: 7h04
